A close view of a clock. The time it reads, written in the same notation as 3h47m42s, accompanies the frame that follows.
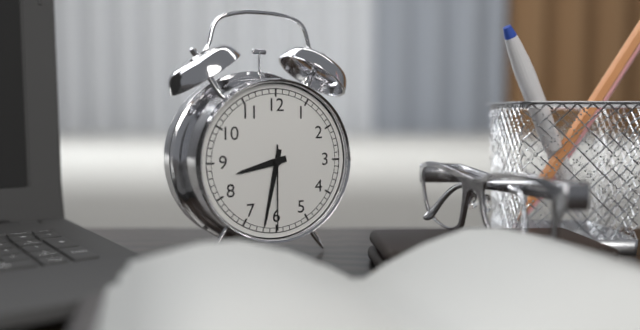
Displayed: 8h32m30s
